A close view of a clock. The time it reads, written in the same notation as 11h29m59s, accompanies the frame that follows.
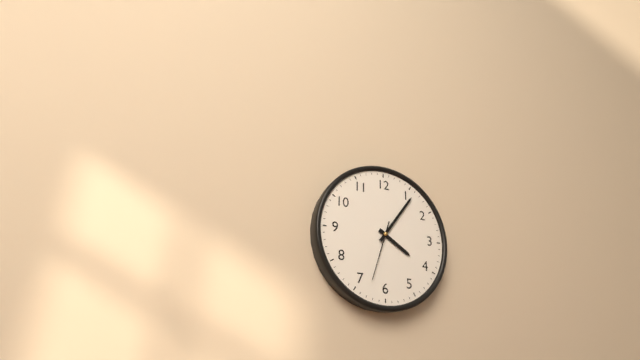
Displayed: 4h06m33s
